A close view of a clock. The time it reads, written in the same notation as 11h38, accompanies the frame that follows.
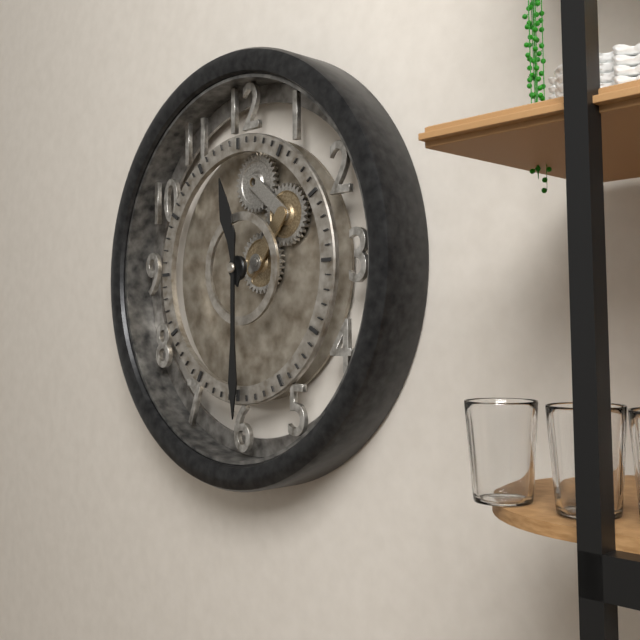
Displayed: 11h30
